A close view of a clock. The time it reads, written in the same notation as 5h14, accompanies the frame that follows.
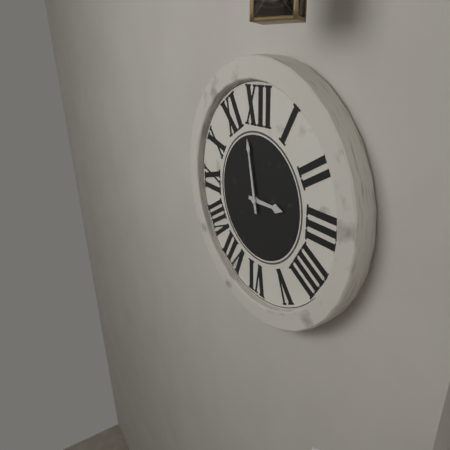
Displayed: 2h58
